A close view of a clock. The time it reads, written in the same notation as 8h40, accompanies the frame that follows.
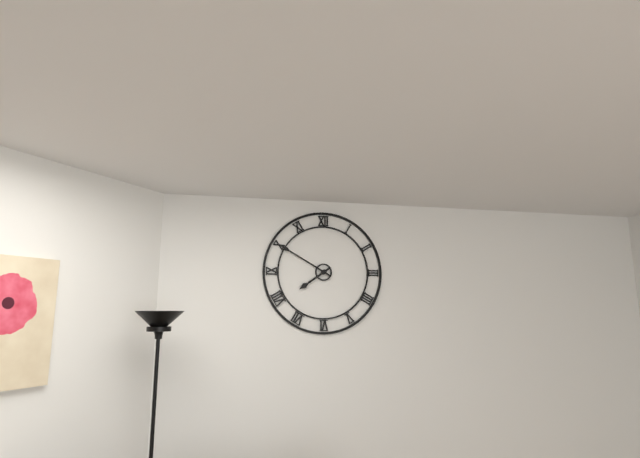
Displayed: 7h50
